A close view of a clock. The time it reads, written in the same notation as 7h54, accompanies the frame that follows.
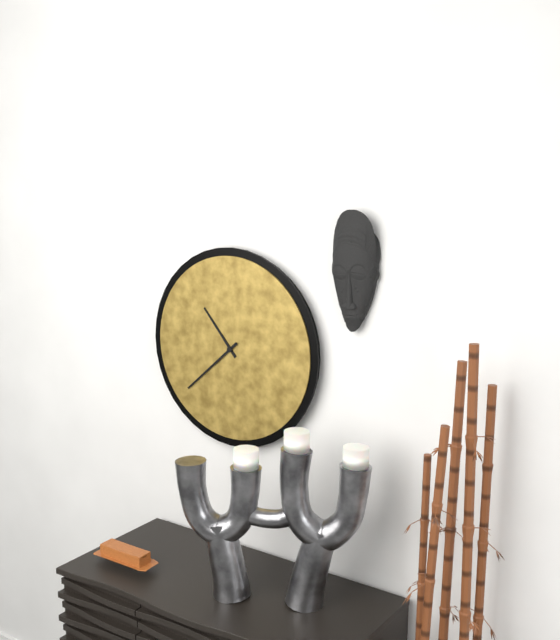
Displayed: 10h38
